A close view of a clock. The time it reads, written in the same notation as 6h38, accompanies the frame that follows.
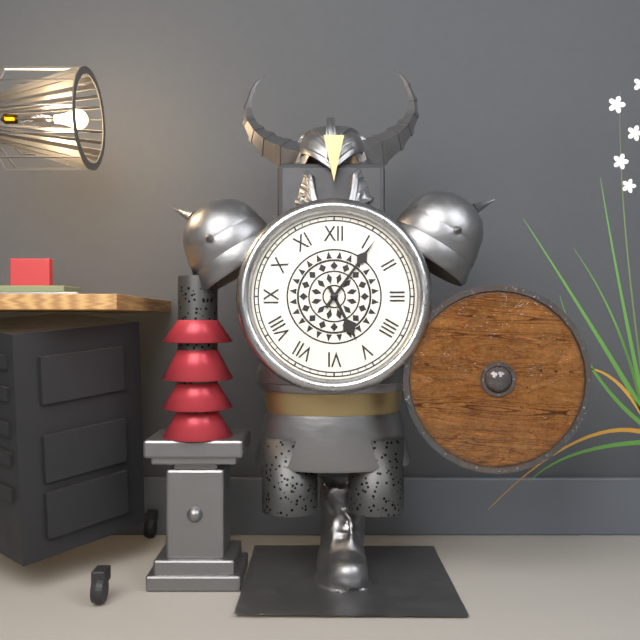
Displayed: 5h06
